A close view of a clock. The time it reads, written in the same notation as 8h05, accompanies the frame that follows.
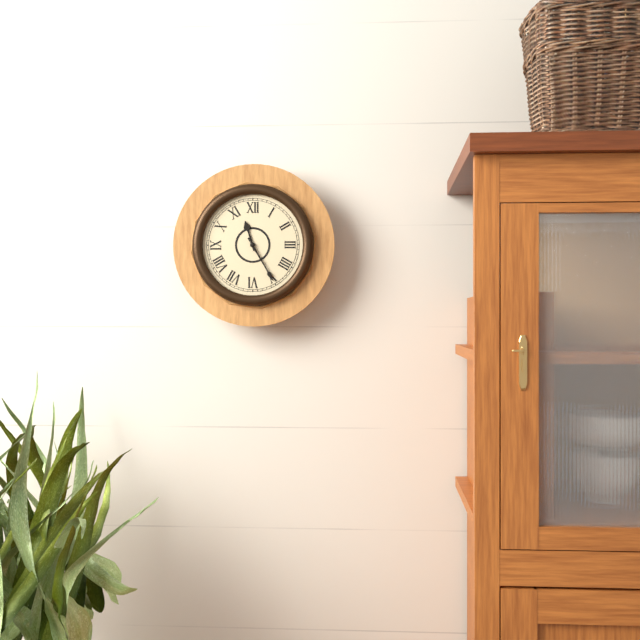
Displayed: 11h25
